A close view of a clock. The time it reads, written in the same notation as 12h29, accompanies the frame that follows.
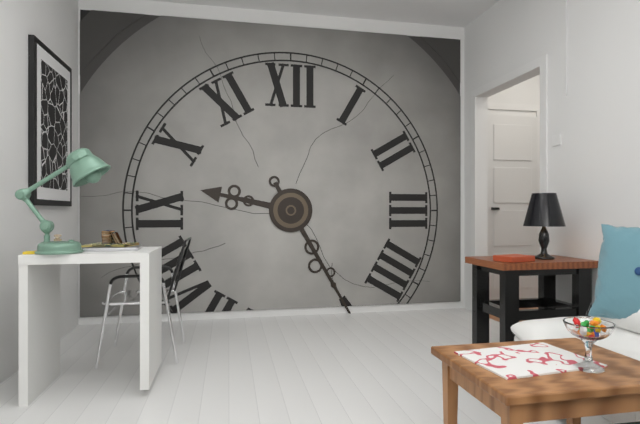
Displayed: 9h25
